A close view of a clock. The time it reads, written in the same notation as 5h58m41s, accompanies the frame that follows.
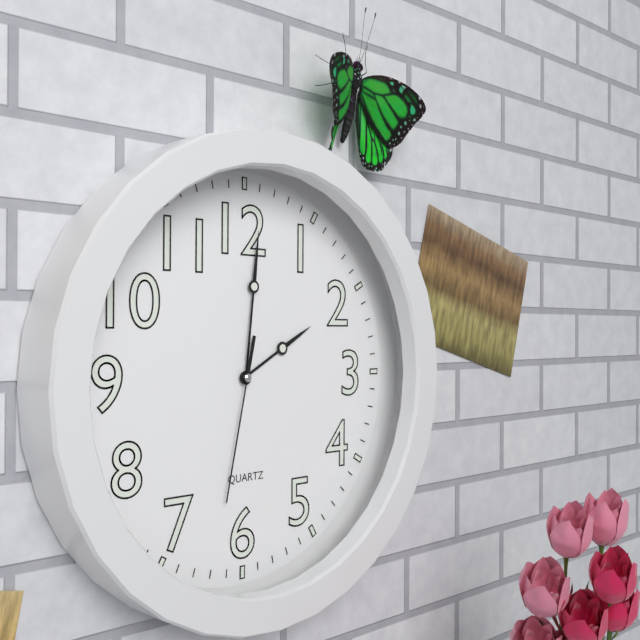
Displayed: 2h01m32s
